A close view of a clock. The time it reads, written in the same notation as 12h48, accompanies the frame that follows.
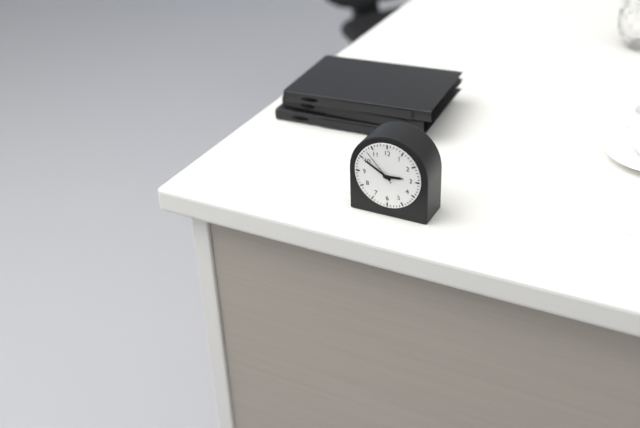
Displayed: 2h50
